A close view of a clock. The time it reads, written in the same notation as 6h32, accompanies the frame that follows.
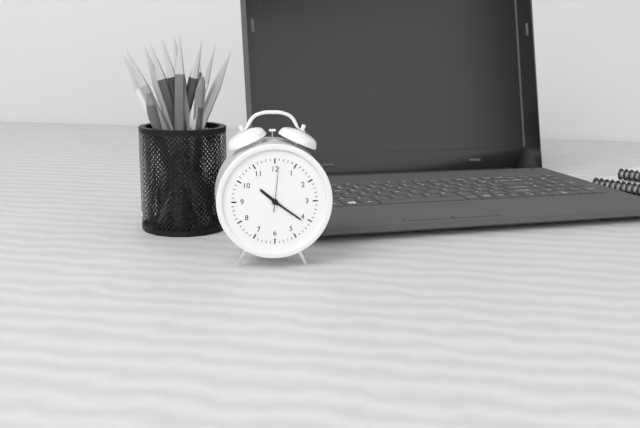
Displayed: 10h21
